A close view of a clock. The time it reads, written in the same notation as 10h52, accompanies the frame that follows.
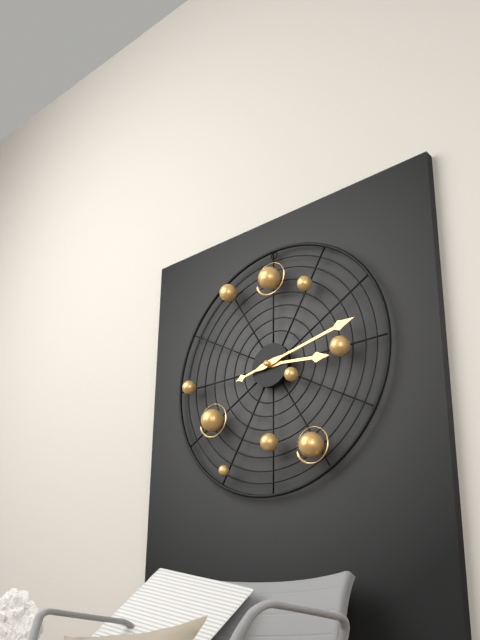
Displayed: 3h13
